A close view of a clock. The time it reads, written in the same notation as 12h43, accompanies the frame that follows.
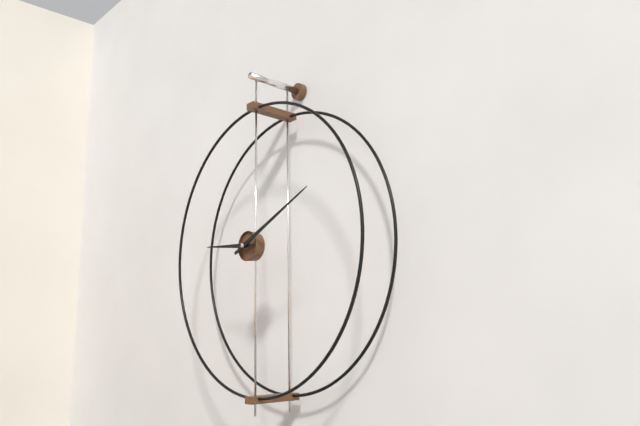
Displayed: 9h11
